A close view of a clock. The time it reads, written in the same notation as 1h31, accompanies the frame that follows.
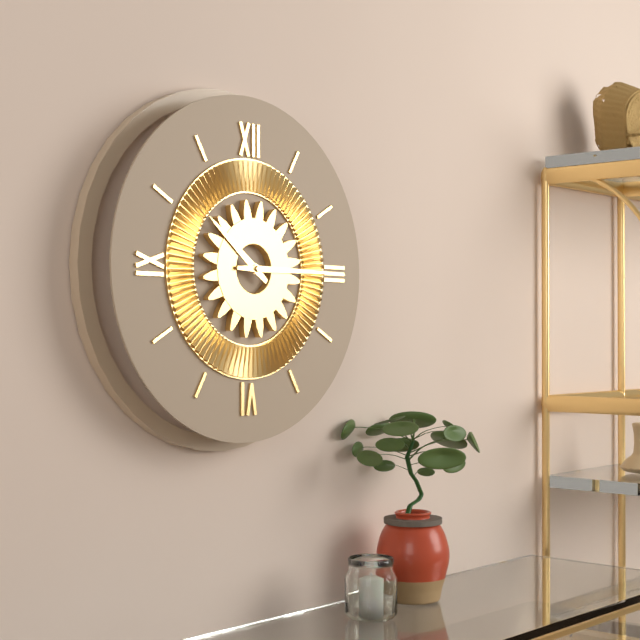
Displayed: 10h15
